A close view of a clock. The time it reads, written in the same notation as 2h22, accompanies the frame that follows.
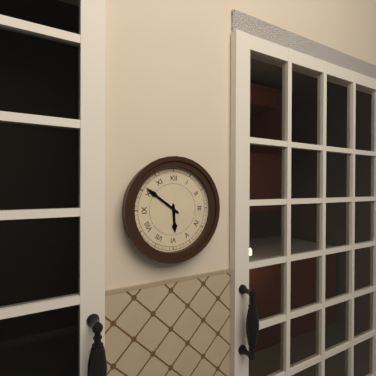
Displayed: 5h51
